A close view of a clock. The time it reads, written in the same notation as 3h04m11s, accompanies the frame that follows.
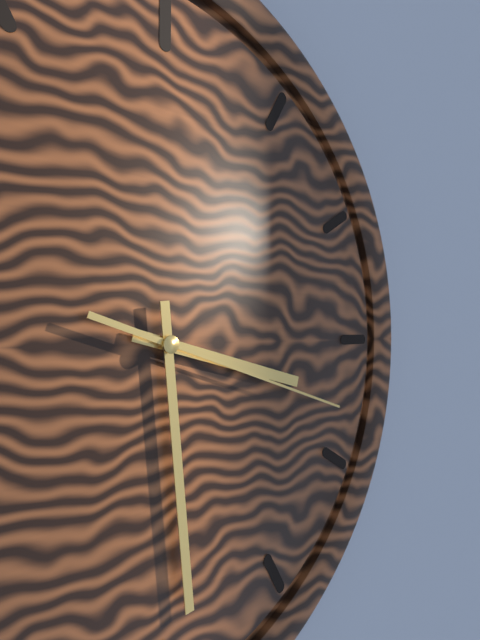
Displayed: 3h29m18s
